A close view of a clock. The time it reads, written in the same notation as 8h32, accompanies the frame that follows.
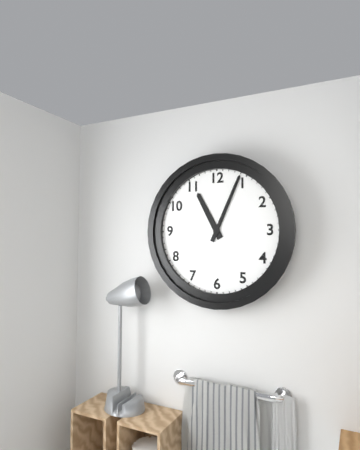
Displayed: 11h04
